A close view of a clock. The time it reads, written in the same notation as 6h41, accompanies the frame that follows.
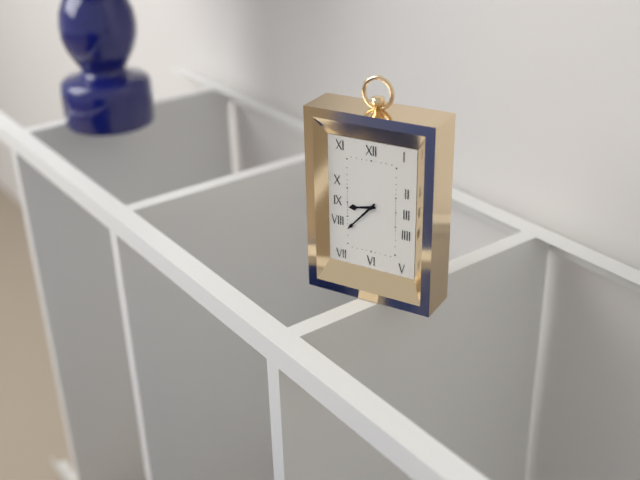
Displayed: 8h37
